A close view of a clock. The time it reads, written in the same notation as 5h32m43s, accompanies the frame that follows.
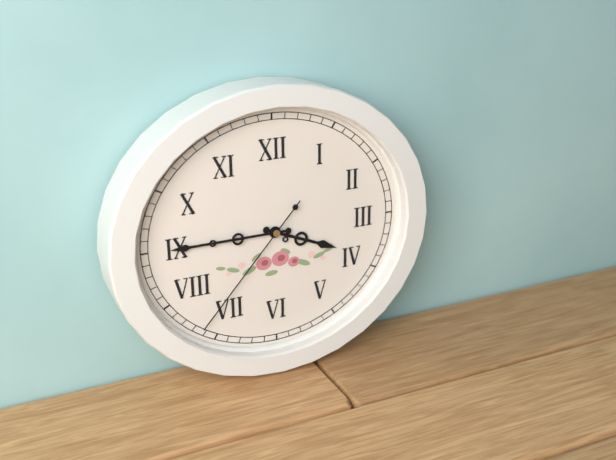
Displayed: 3h45m37s
